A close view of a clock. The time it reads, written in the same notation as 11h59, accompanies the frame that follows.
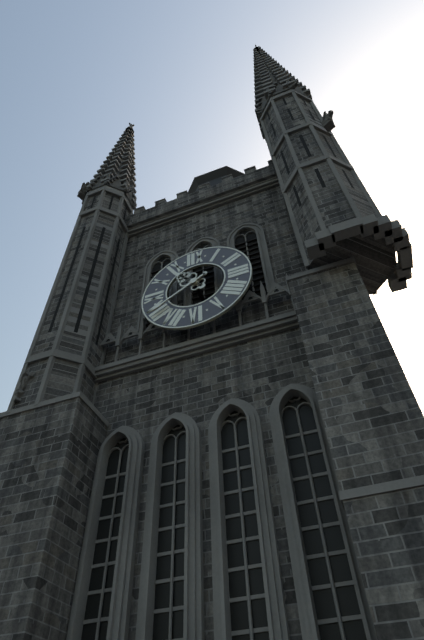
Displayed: 10h40
